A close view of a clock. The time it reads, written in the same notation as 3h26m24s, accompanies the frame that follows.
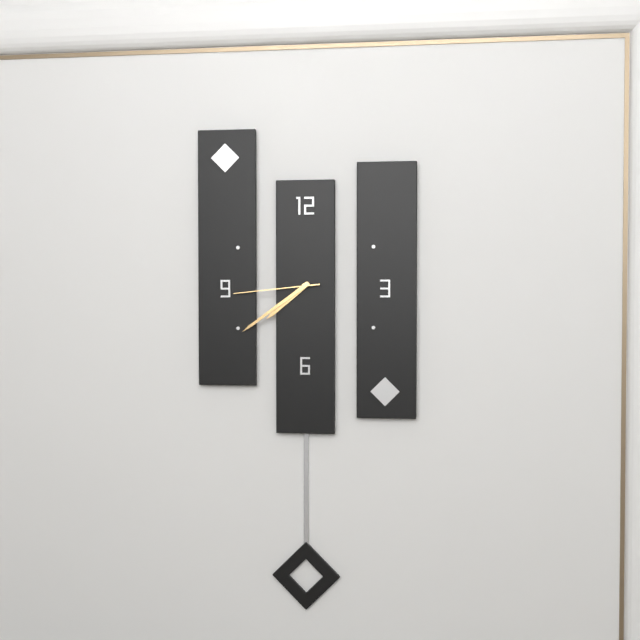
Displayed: 7h39m44s
